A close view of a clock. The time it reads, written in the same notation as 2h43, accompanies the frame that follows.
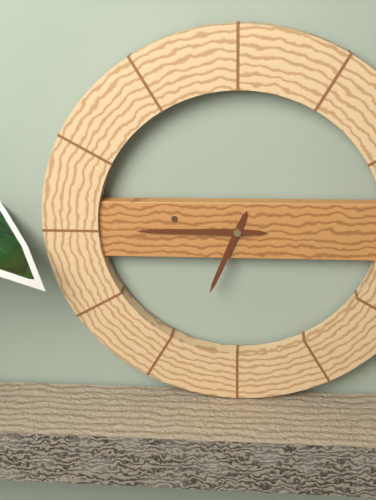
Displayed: 6h45
